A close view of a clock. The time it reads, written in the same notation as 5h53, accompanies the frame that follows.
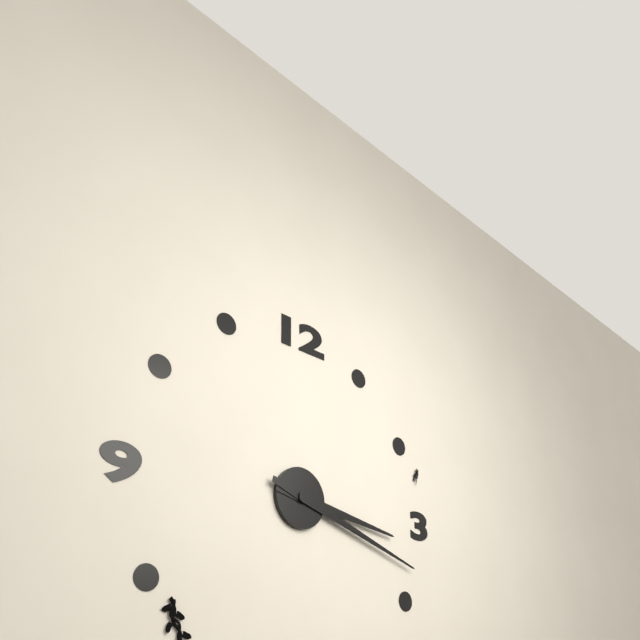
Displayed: 3h18
